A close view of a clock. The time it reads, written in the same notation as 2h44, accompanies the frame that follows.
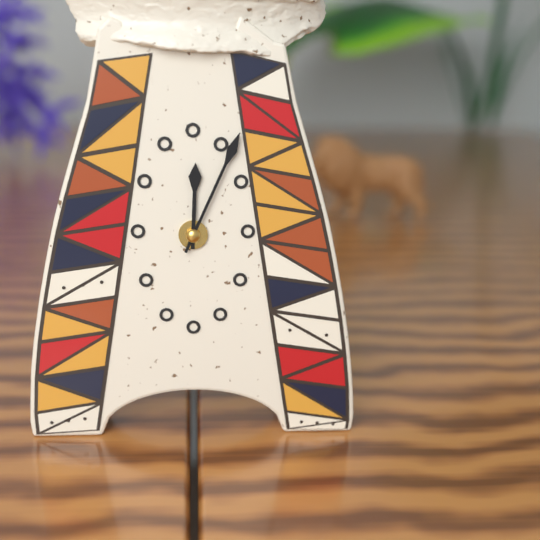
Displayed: 12h04
